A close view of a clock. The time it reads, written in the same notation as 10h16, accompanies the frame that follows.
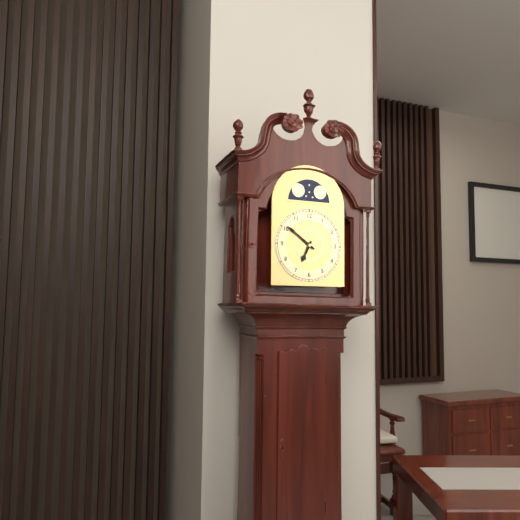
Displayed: 6h51
